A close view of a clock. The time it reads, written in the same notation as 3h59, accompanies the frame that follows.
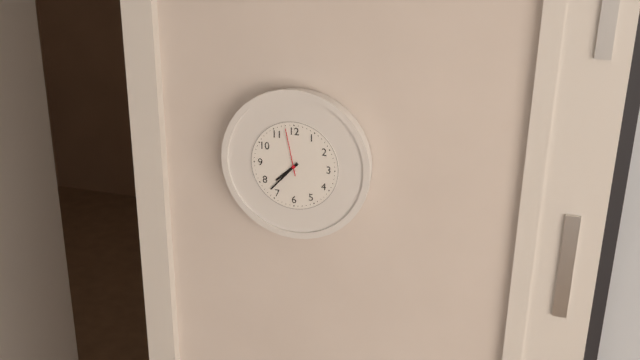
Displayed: 7h37
